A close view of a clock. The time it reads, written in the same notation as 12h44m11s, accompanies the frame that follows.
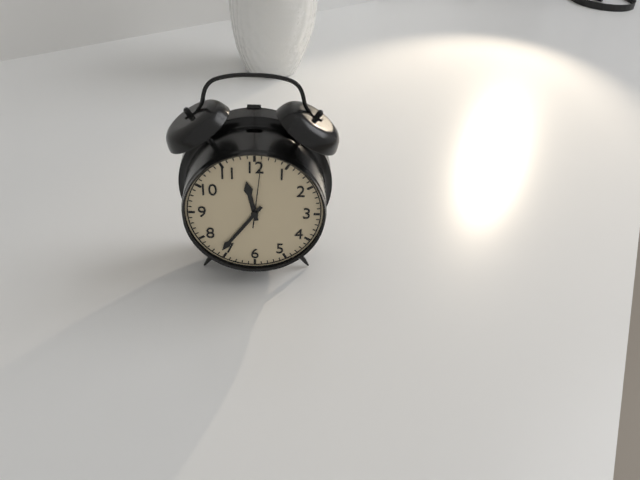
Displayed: 11h36m01s
